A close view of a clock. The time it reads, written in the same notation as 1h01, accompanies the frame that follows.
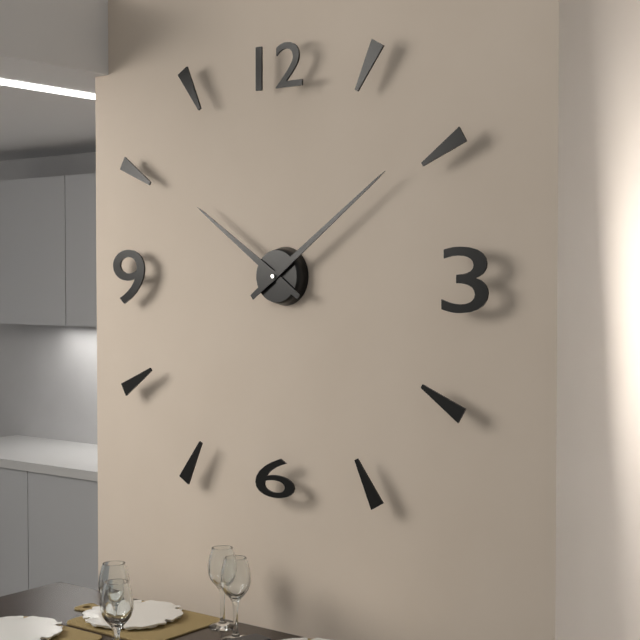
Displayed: 10h09
